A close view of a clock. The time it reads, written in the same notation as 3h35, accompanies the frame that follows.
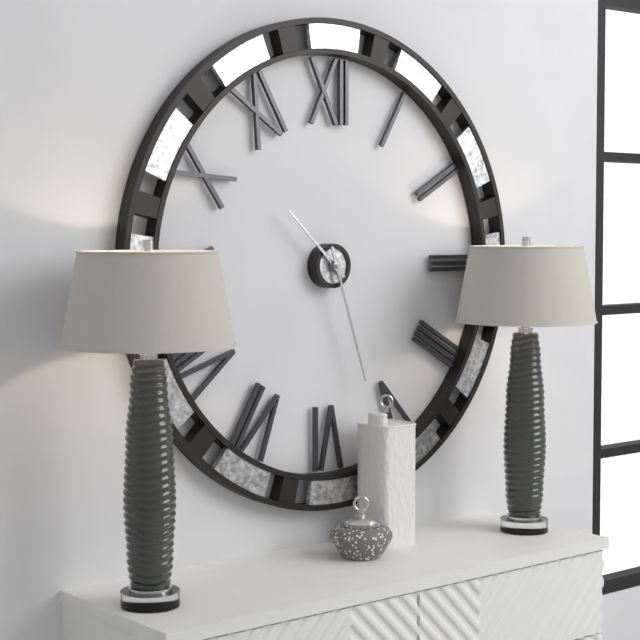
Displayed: 10h27
